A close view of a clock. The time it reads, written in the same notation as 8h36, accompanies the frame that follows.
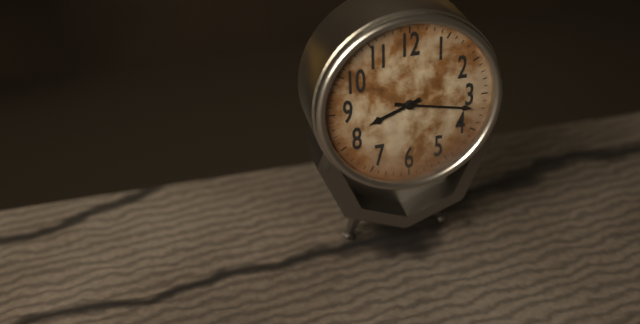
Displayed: 8h17
